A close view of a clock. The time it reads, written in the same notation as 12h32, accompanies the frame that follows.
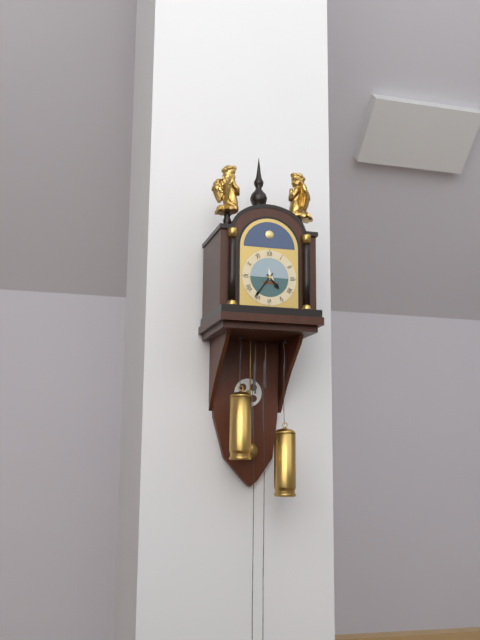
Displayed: 4h36
